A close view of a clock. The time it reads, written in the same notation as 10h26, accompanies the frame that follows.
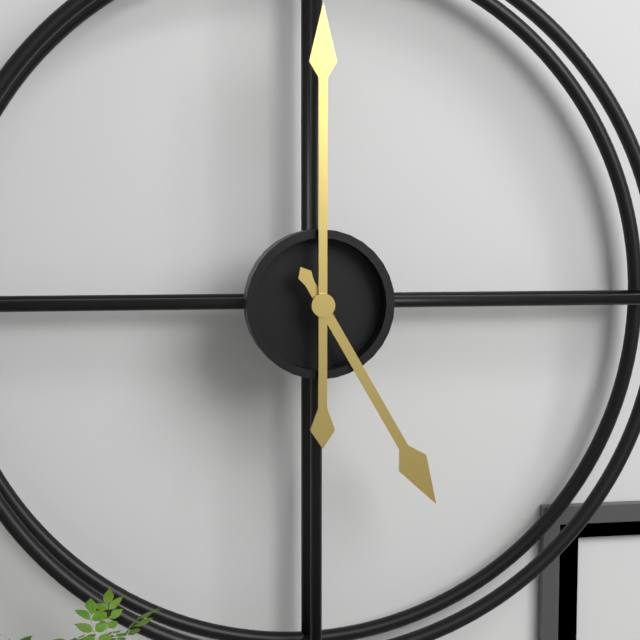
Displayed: 5h00
